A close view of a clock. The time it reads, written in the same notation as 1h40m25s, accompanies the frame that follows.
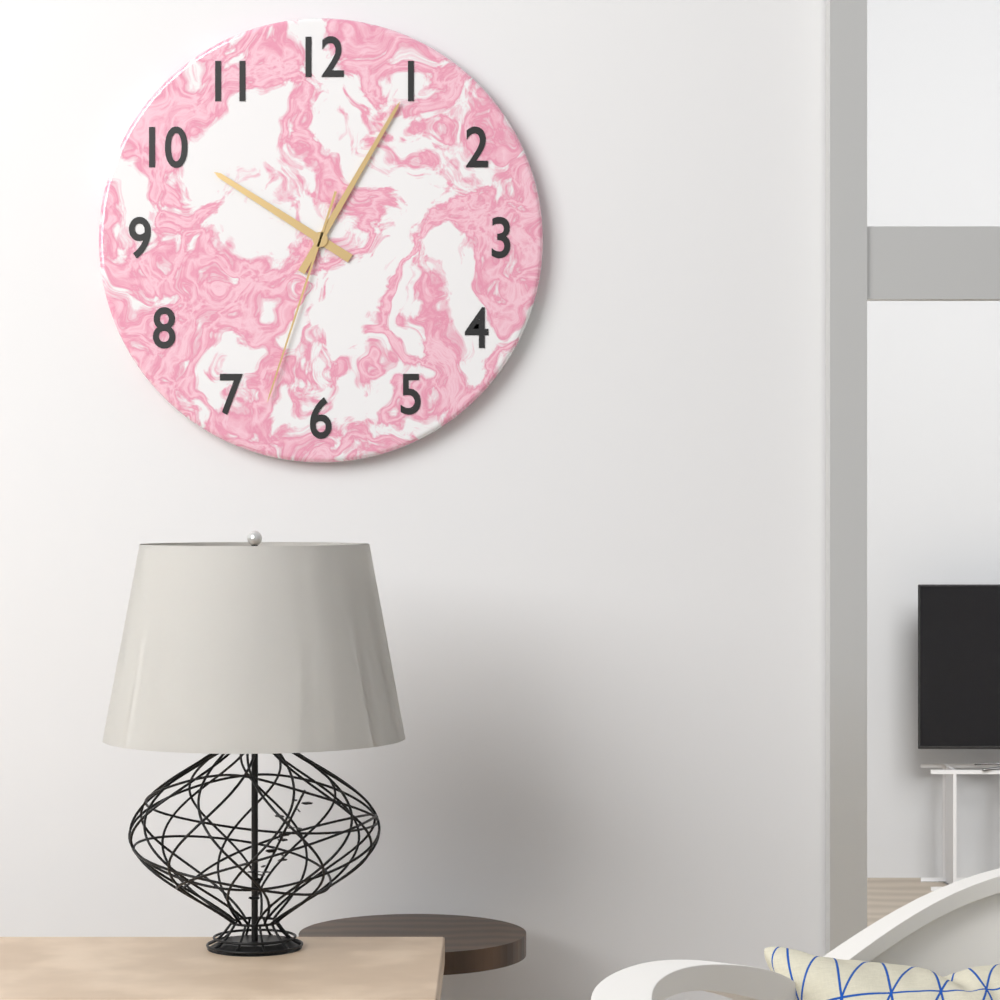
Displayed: 10h05m33s
